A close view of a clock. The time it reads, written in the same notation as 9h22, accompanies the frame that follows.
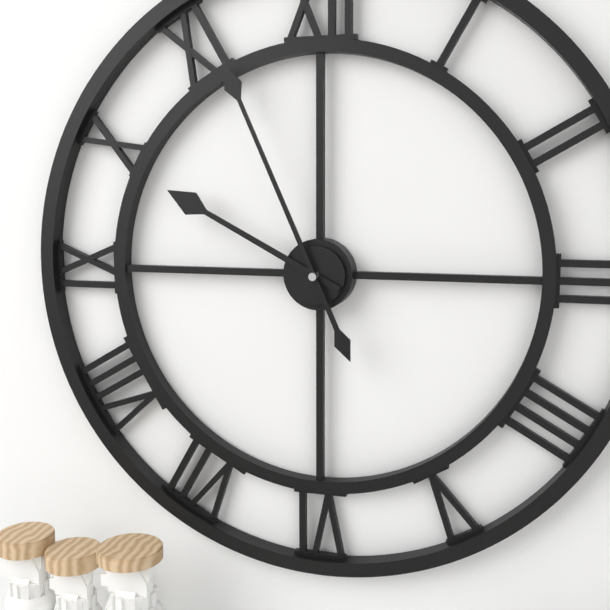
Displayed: 9h56
